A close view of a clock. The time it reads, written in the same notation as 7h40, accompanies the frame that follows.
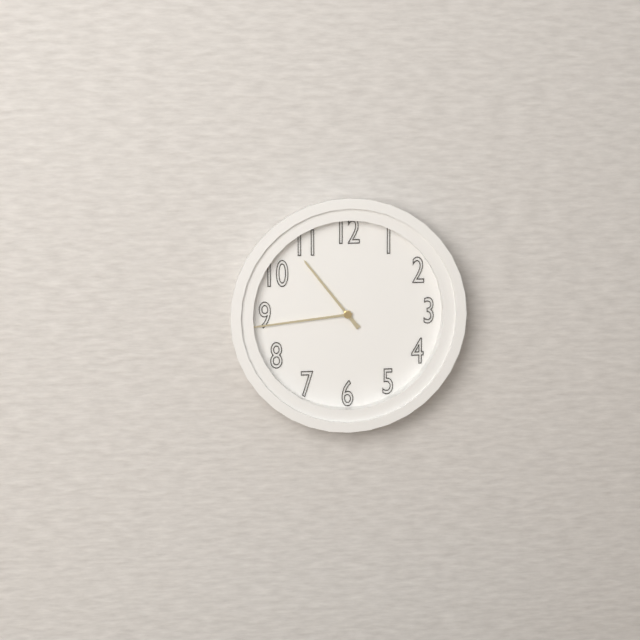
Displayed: 10h44
